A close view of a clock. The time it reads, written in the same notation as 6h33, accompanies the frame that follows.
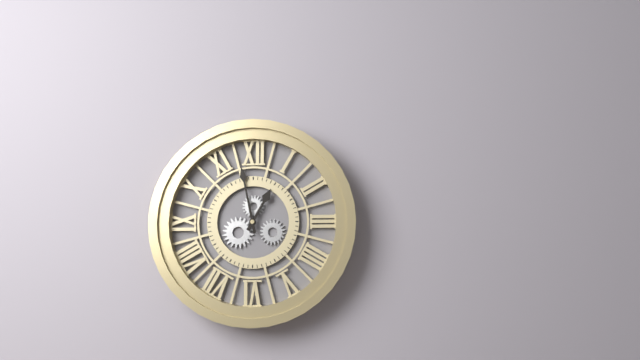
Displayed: 12h58
